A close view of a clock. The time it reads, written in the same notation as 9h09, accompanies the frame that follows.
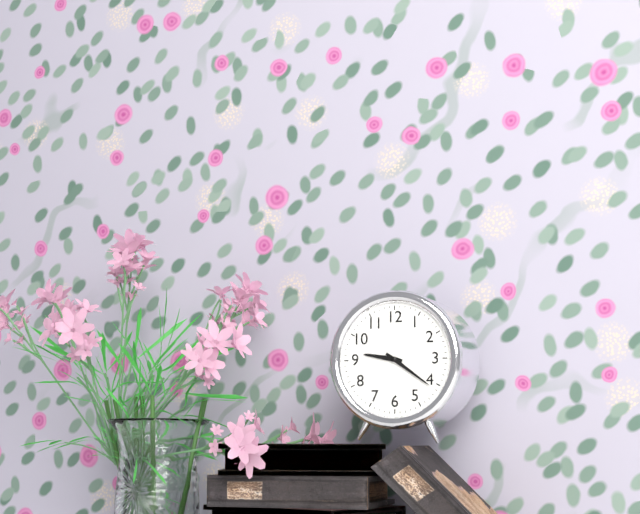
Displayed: 9h21
